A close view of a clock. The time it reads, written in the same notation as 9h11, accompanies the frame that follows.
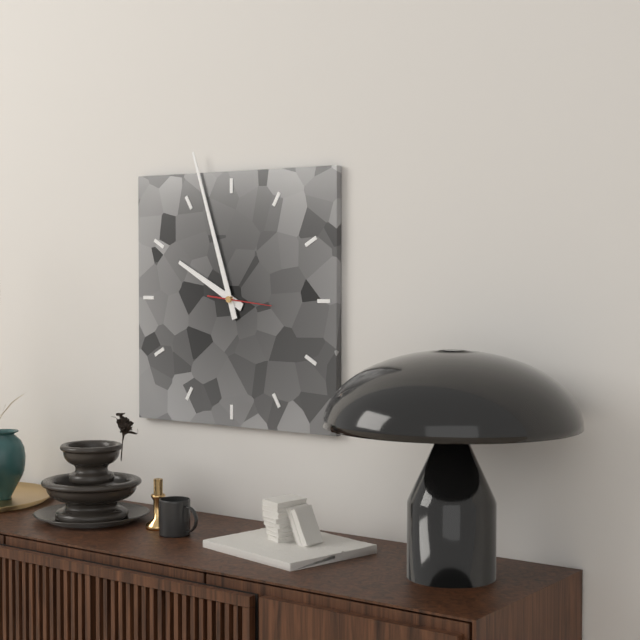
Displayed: 9h57
